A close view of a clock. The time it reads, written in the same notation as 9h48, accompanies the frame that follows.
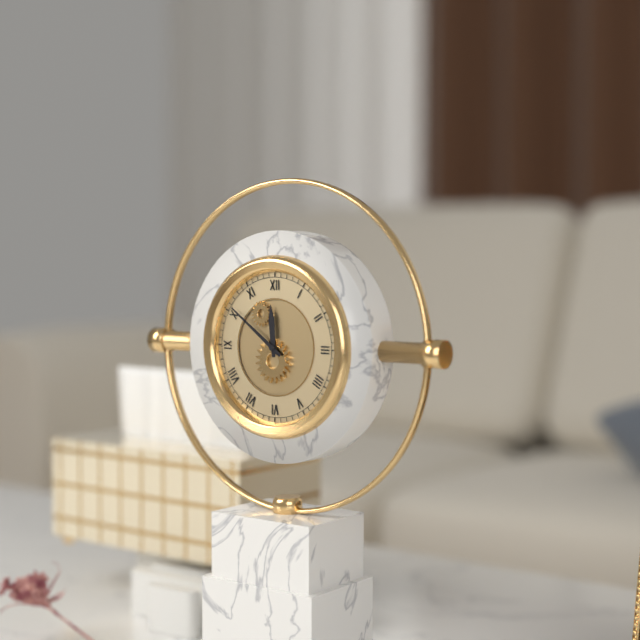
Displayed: 11h51
